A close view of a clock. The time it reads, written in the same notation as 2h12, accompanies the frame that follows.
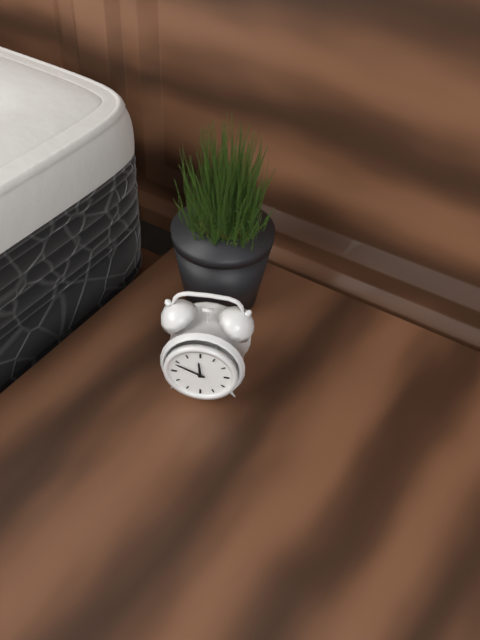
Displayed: 11h49
